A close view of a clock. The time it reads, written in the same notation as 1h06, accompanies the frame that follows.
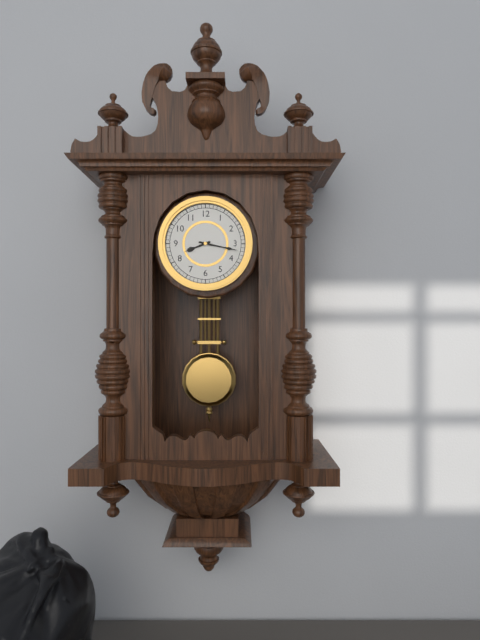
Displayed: 8h17
